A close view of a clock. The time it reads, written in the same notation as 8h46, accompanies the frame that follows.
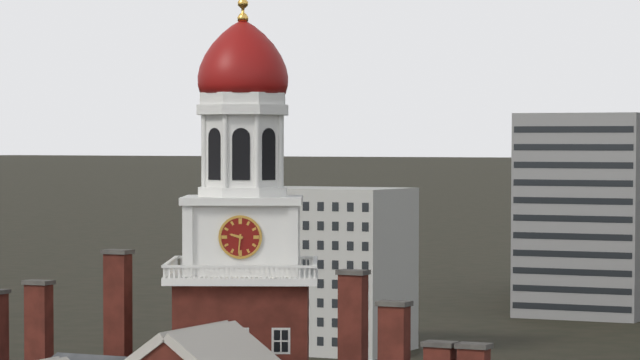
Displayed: 9h31
